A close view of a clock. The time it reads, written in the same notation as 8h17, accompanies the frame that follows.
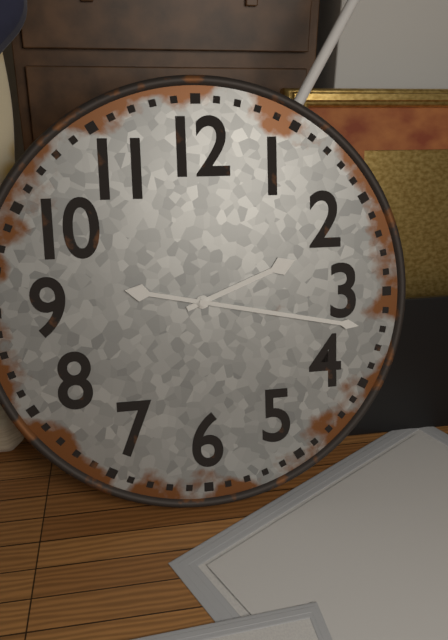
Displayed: 2h17
